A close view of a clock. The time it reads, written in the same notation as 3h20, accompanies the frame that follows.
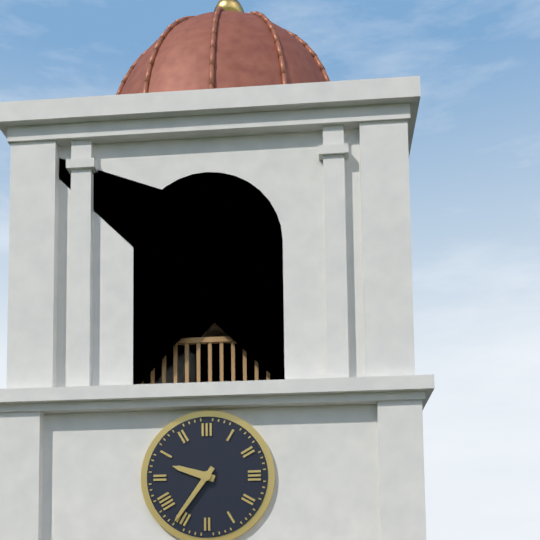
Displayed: 9h36
